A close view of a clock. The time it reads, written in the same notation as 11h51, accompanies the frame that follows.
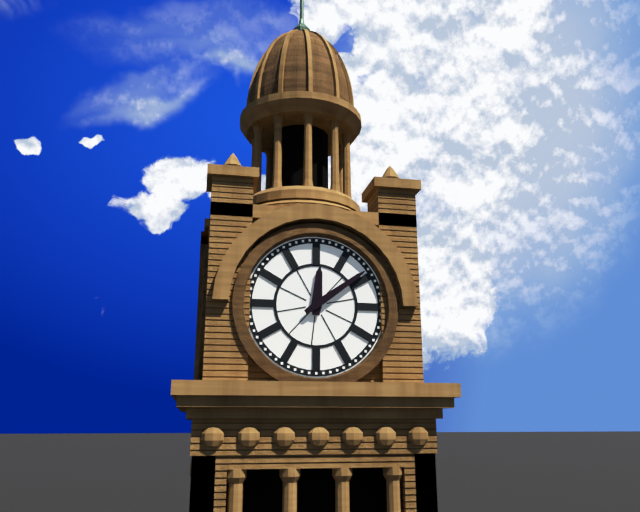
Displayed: 12h09
